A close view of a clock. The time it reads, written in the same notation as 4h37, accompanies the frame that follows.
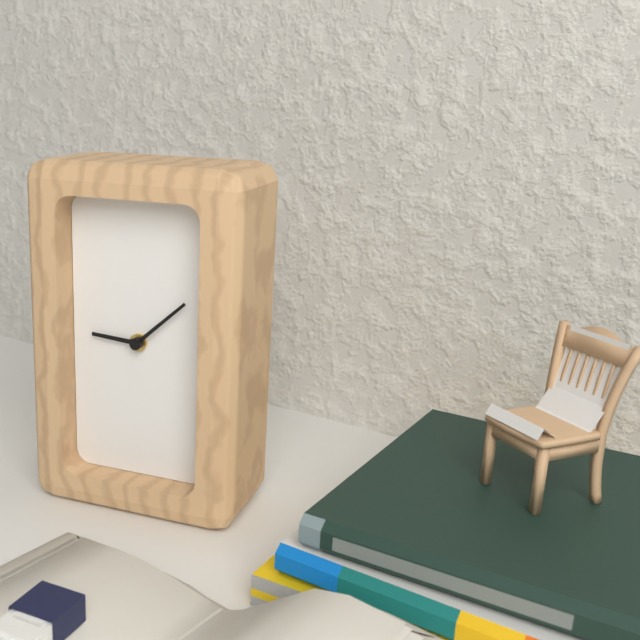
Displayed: 9h08
